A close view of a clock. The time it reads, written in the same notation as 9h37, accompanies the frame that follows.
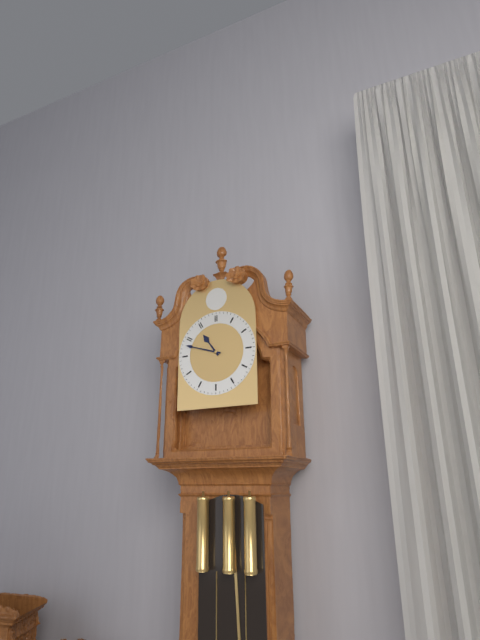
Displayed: 10h48
